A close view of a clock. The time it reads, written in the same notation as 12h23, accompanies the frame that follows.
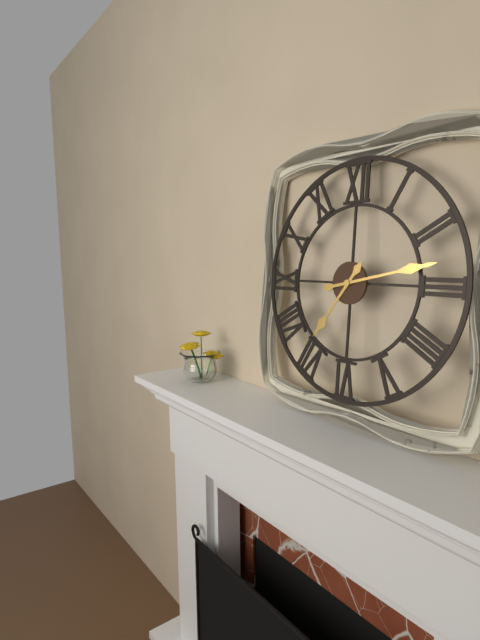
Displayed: 7h13
